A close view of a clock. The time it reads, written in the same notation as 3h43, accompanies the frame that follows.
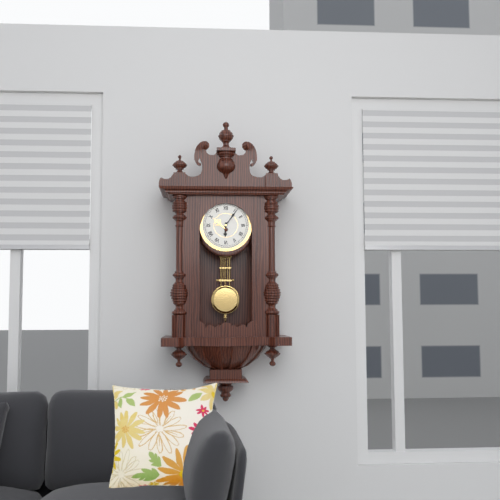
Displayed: 6h06
